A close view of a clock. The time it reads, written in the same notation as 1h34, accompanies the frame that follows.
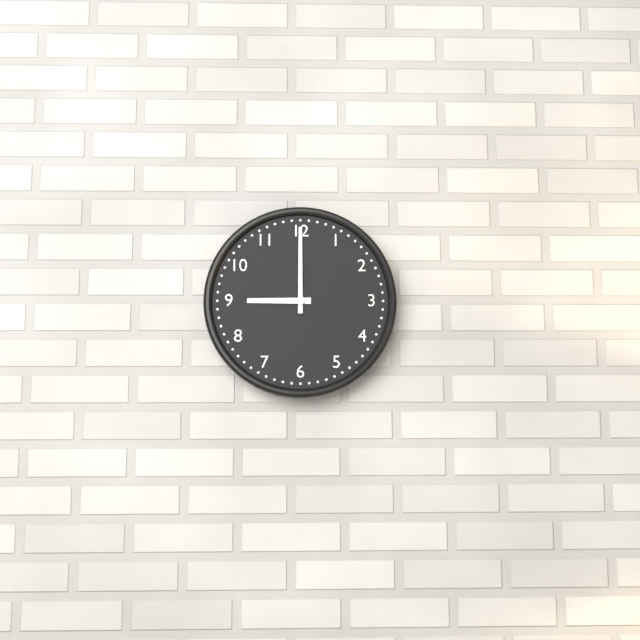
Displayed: 9h00
